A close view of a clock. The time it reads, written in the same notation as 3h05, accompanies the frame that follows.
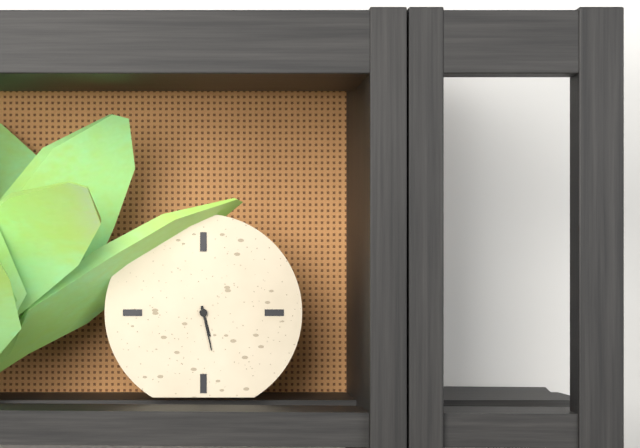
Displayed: 5h28
